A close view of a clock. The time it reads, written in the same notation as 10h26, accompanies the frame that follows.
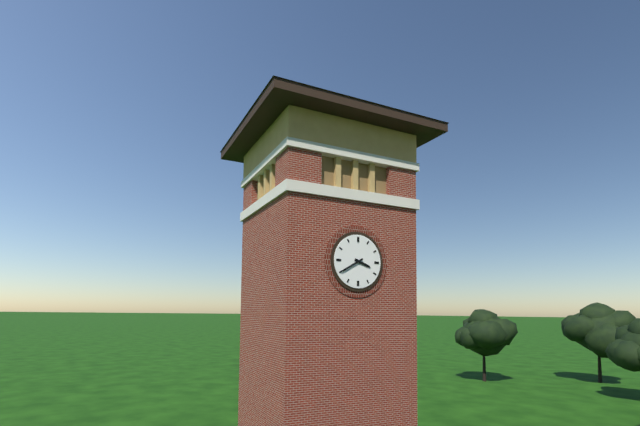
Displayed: 3h40
